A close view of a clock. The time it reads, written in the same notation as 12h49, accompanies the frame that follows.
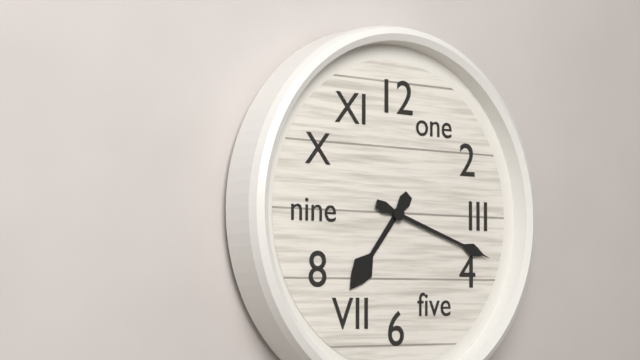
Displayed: 7h18
